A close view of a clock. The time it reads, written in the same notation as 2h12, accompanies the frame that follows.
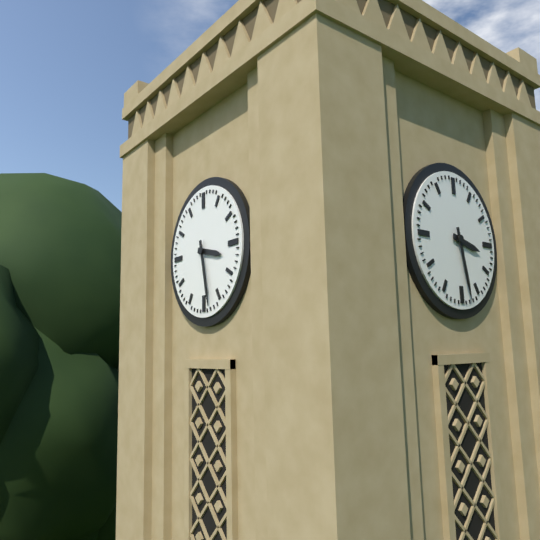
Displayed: 3h28
